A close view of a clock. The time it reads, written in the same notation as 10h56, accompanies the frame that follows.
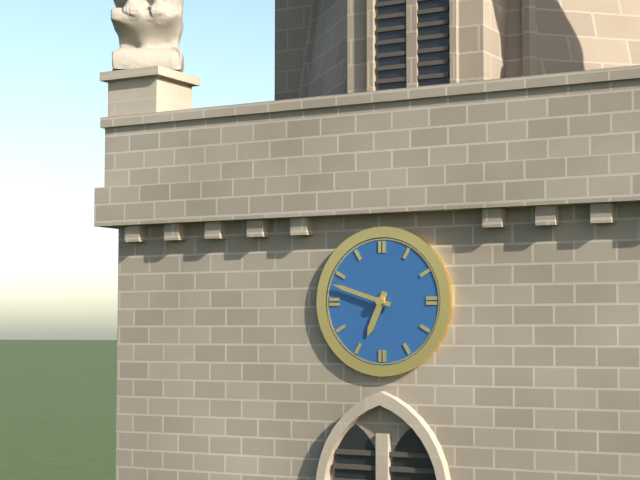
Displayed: 6h48
